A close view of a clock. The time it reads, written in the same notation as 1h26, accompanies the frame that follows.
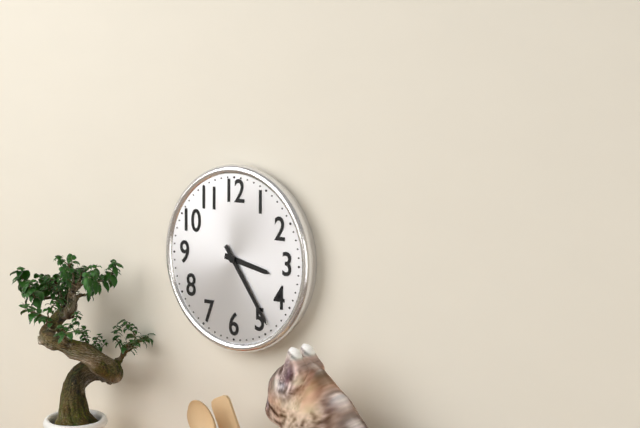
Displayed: 3h24
